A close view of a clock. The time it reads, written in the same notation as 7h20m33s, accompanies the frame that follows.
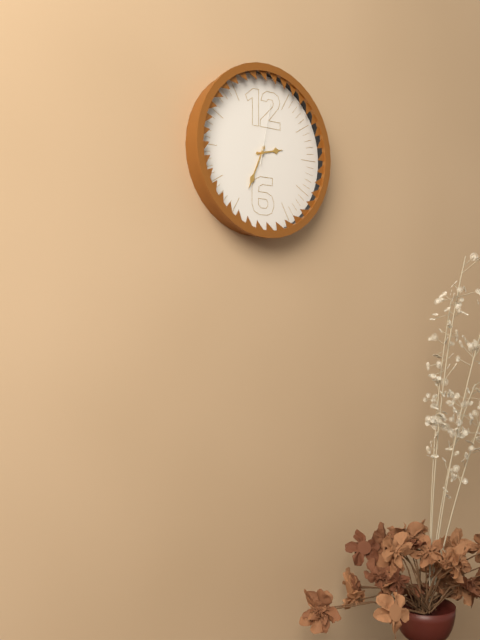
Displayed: 2h34m02s
